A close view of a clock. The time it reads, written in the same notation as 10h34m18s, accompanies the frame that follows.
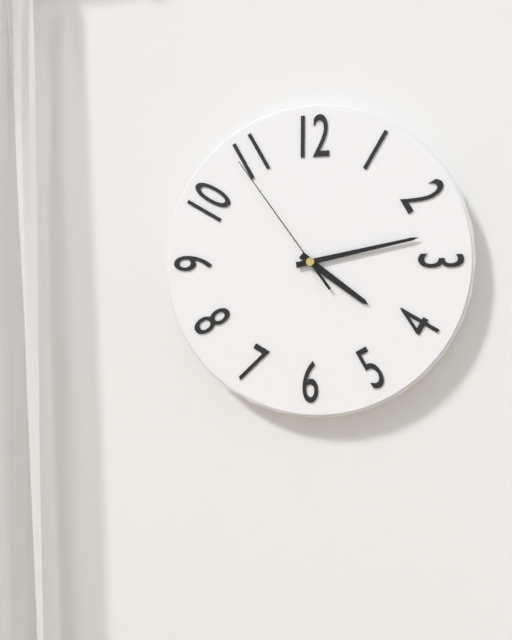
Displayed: 4h13m54s
